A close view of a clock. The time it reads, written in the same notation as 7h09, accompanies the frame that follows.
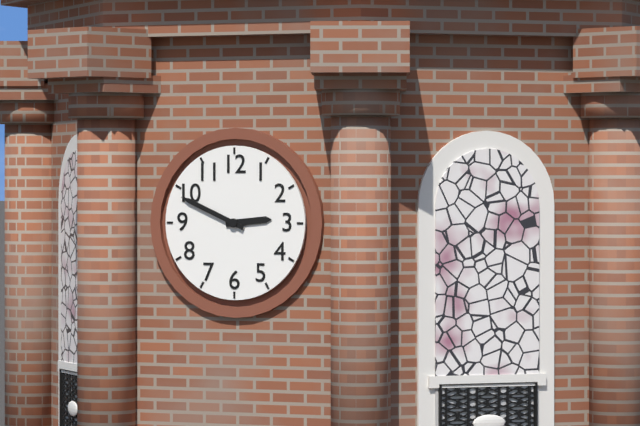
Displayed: 2h49
